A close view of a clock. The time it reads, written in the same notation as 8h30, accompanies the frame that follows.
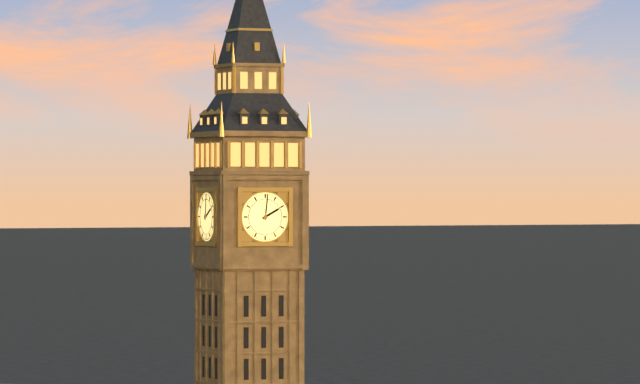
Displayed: 2h01
